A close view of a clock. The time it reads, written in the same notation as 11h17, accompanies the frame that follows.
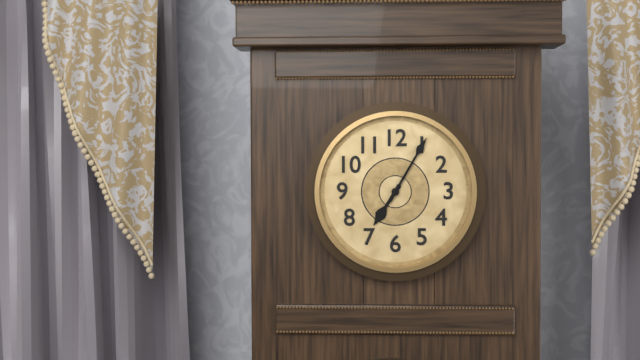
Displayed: 7h05
